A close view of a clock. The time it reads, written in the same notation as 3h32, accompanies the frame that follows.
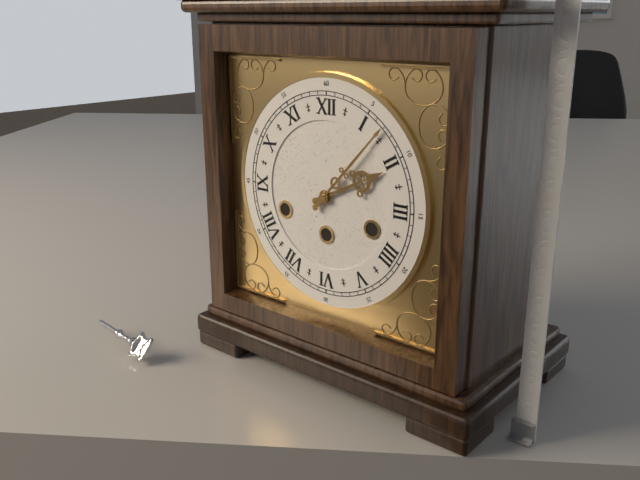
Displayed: 2h07
